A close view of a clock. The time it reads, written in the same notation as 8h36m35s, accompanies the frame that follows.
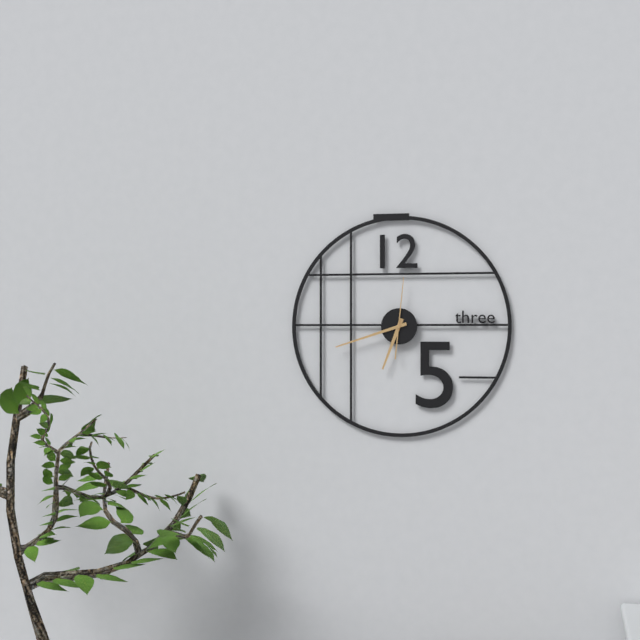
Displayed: 6h42m01s
